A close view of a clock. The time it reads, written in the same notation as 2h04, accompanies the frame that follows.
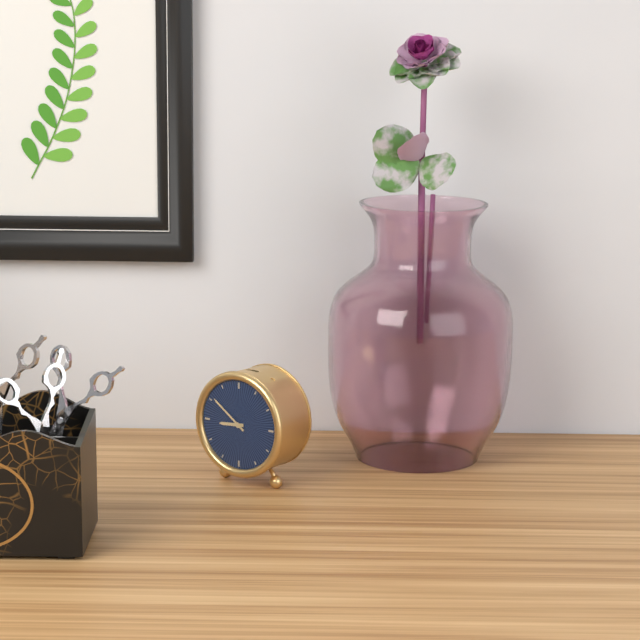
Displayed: 8h51
